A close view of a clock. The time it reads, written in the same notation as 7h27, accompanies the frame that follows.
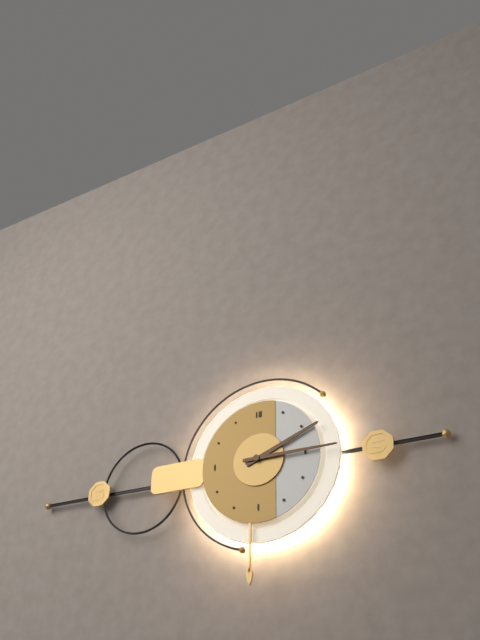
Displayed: 2h15
